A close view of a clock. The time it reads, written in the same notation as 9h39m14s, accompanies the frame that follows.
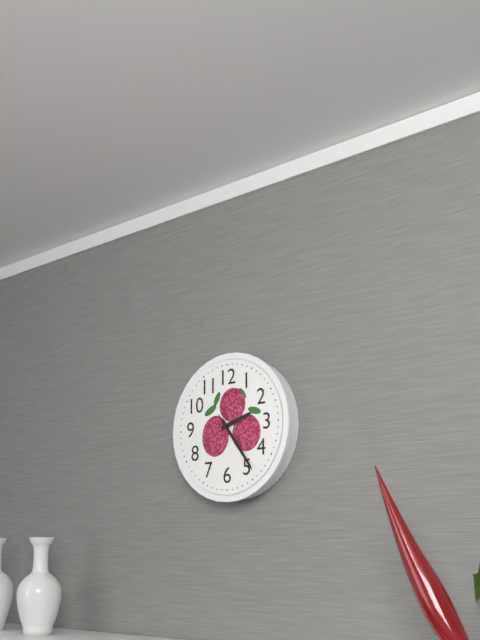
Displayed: 2h24m24s
